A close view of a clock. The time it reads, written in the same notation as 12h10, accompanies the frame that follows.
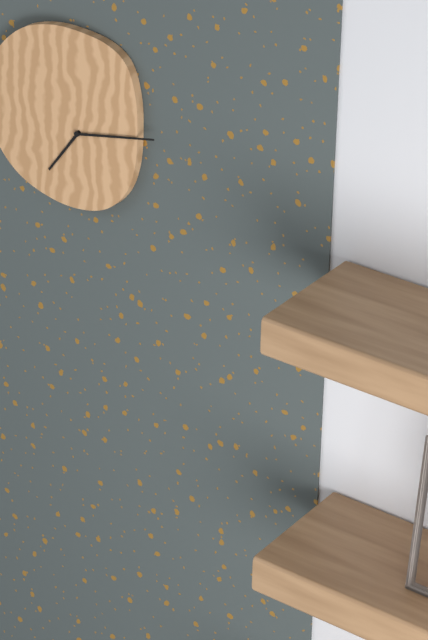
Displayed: 7h13
